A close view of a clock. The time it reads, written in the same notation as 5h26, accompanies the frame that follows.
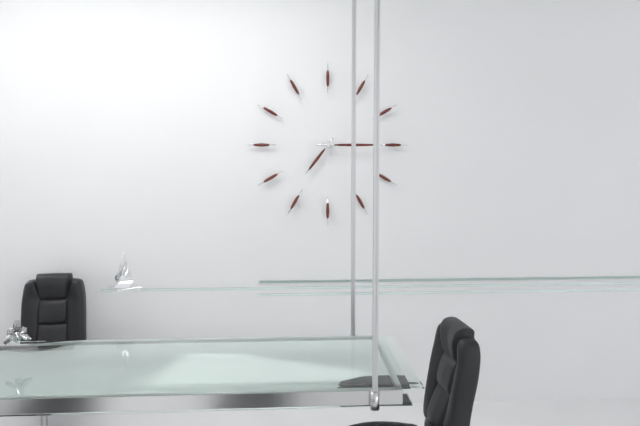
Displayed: 7h15
